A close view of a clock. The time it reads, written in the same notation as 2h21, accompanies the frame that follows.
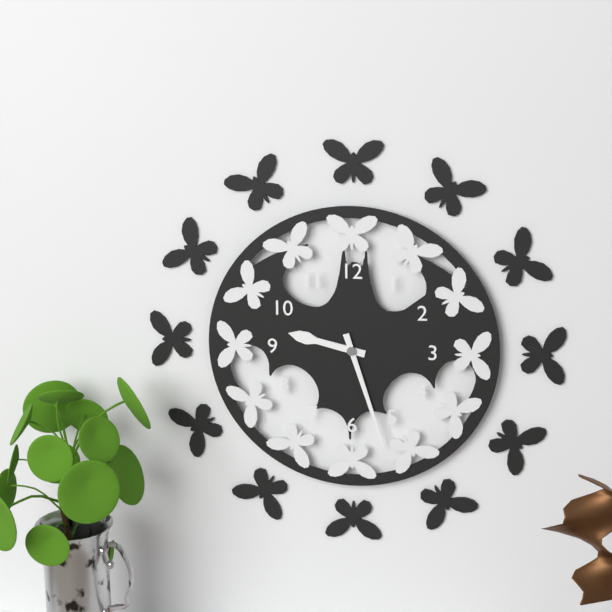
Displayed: 9h27
